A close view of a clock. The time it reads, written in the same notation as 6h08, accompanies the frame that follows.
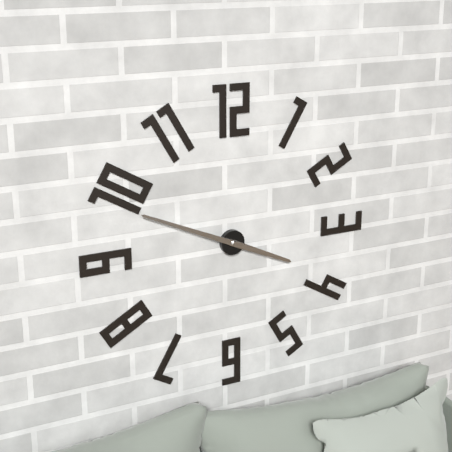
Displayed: 3h49
